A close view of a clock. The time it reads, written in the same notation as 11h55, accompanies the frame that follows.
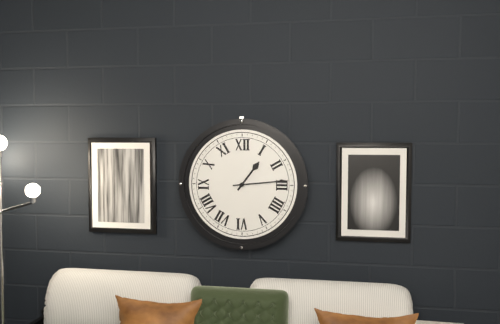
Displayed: 1h14
